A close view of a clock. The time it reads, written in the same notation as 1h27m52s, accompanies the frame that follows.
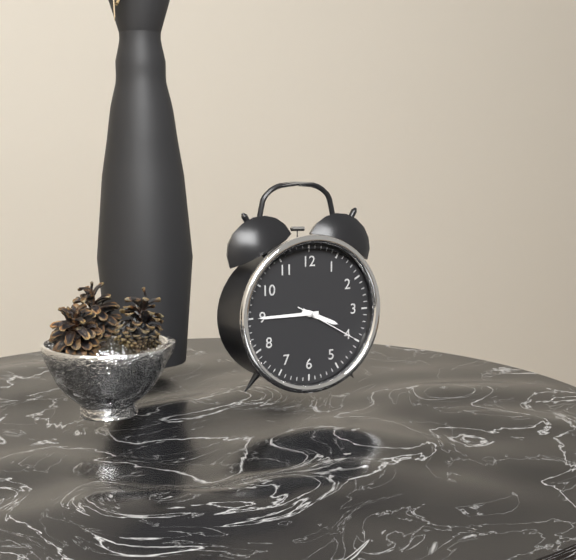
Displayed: 3h45m20s
